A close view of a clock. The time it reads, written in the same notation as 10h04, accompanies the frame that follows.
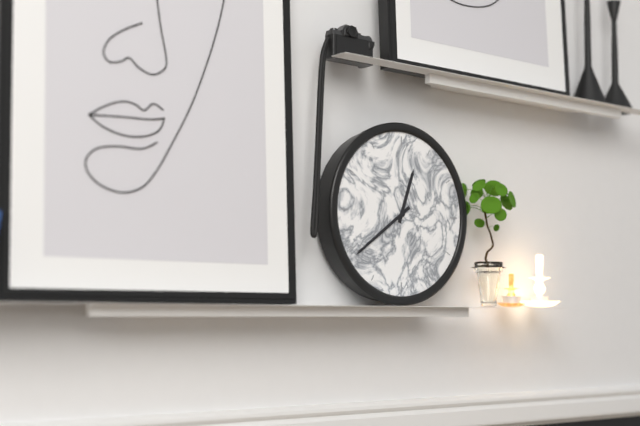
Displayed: 12h39
